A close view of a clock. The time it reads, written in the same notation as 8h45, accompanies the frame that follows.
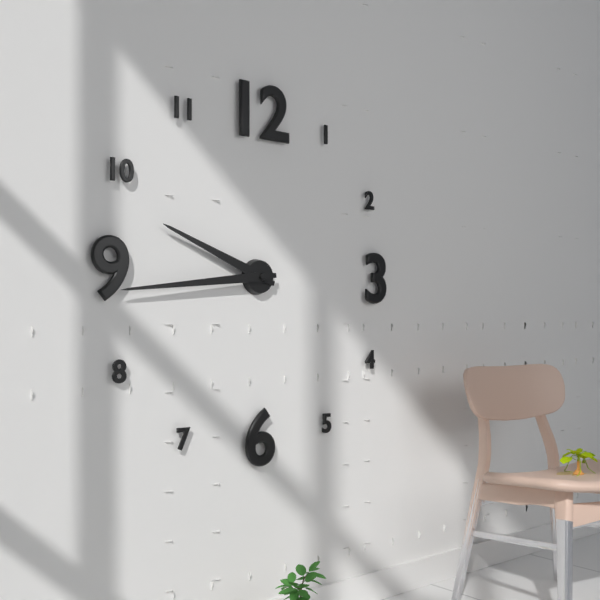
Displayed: 9h44
